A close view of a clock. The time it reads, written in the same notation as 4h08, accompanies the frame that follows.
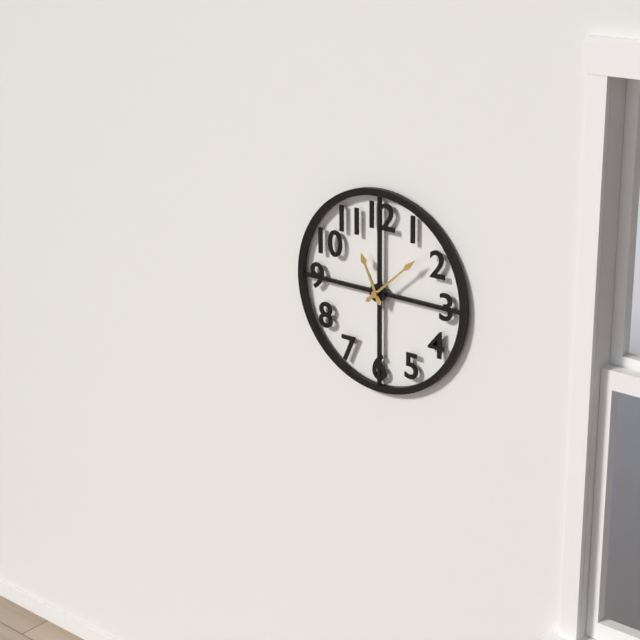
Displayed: 11h08
